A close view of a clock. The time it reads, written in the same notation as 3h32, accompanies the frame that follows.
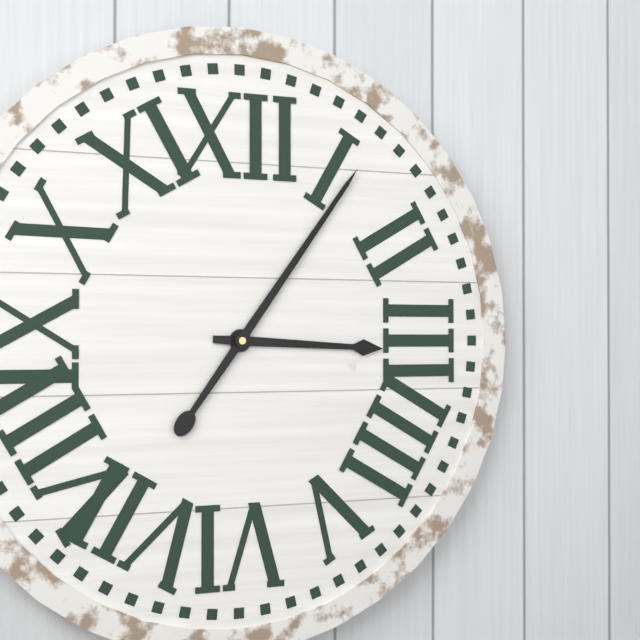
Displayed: 3h06
